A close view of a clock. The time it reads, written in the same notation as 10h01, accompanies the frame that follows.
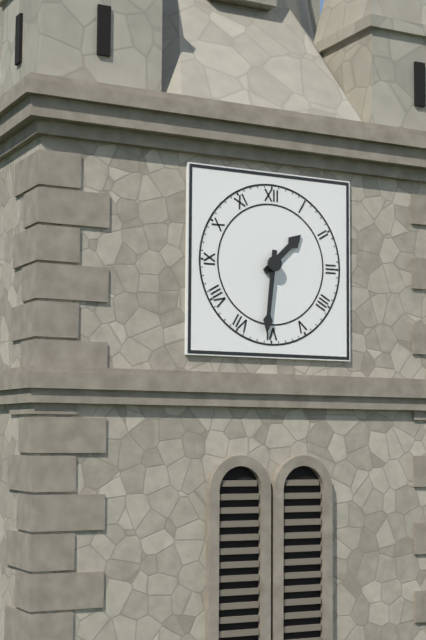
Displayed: 1h31
